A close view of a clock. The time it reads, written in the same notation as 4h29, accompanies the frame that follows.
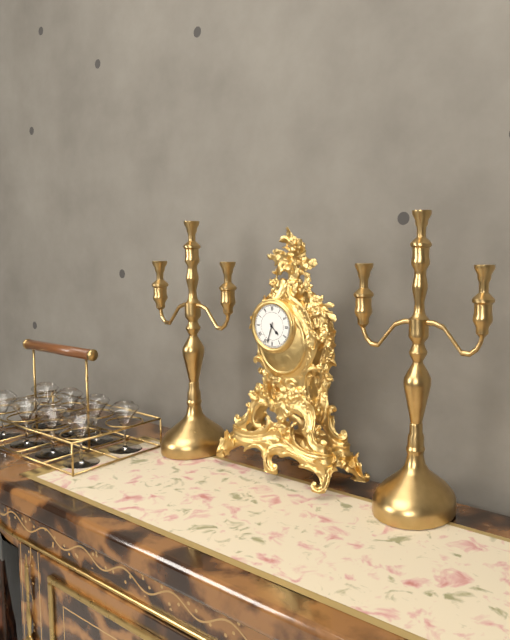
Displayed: 4h33
